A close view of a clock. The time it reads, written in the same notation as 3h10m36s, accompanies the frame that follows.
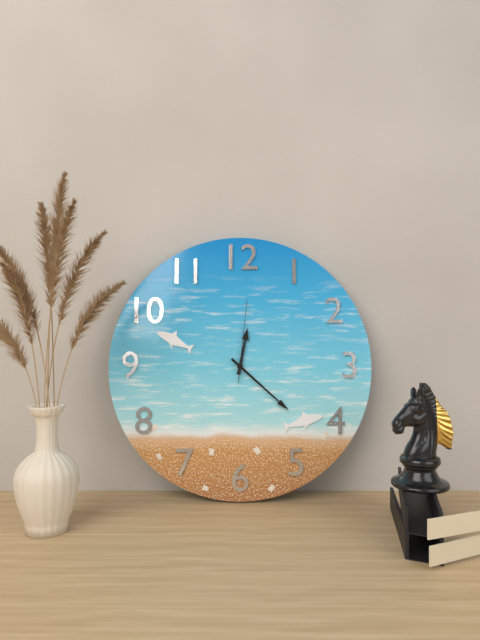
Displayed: 12h22m01s
